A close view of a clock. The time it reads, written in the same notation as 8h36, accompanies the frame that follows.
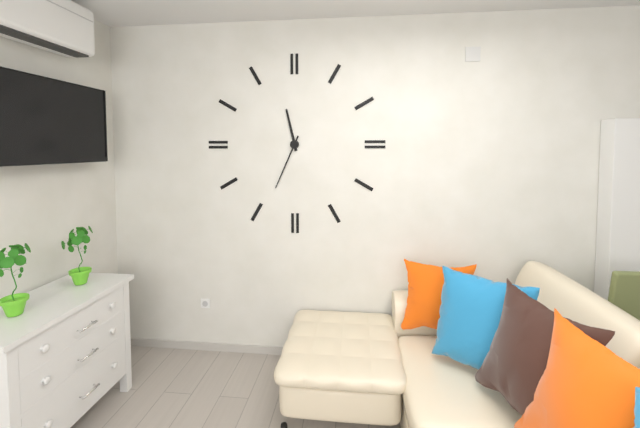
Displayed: 11h34
